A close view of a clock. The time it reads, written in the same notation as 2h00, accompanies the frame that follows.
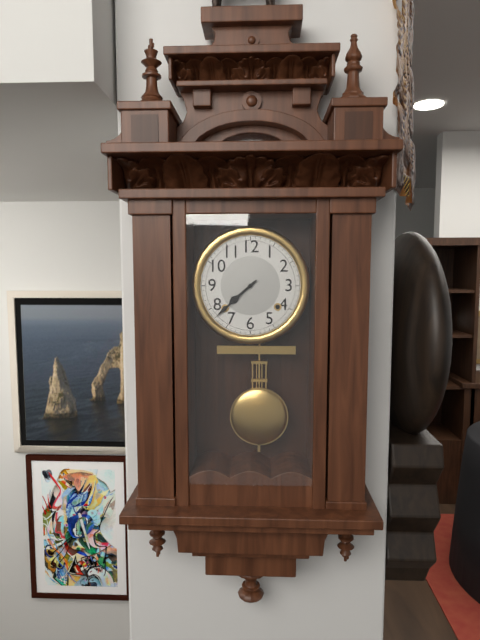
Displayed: 7h38
